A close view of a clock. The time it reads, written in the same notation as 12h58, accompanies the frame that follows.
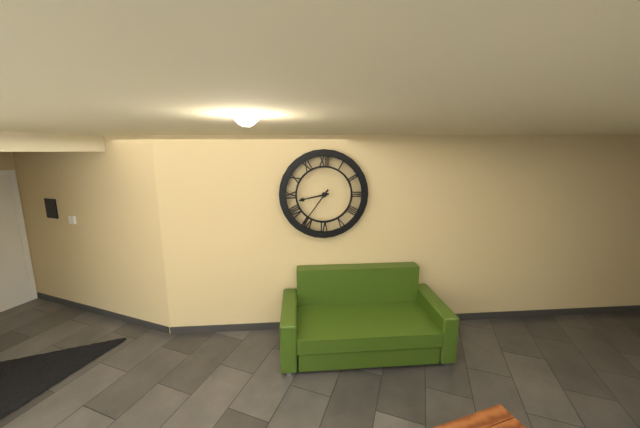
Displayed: 8h36
